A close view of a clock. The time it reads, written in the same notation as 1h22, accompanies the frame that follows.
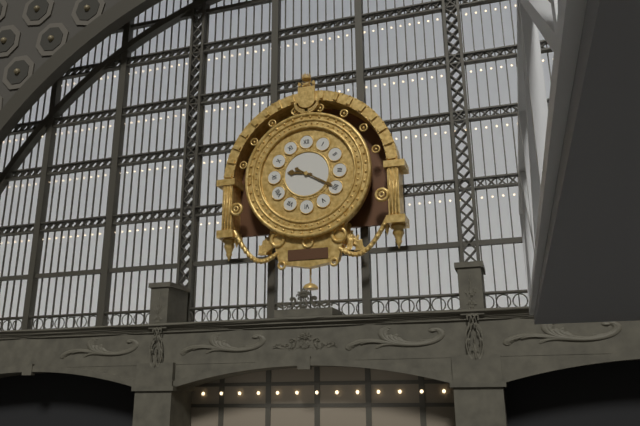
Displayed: 9h20
